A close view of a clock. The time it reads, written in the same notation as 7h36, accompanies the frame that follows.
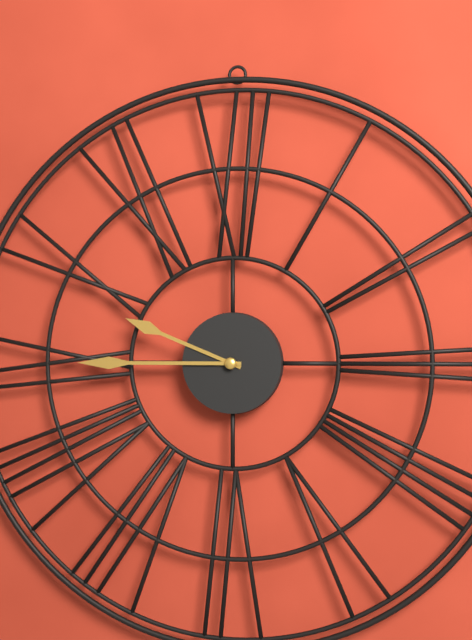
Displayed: 9h45
